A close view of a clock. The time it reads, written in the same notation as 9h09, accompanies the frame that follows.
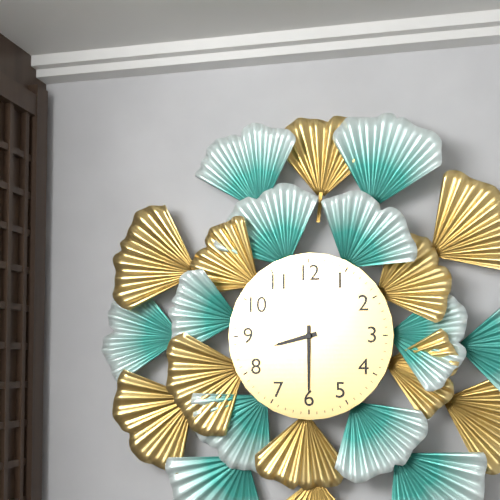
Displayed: 8h30
